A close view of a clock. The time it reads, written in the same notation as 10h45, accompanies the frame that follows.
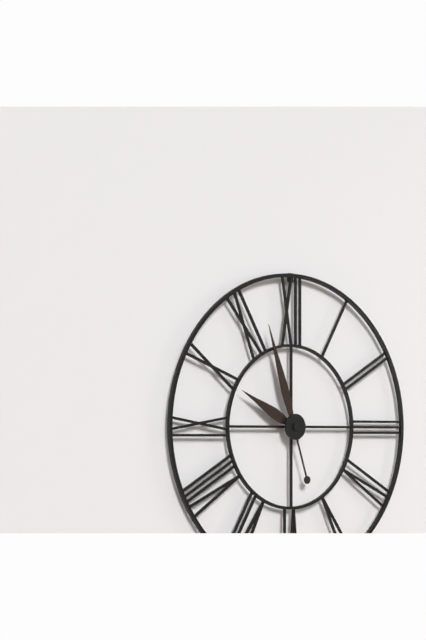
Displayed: 9h57
